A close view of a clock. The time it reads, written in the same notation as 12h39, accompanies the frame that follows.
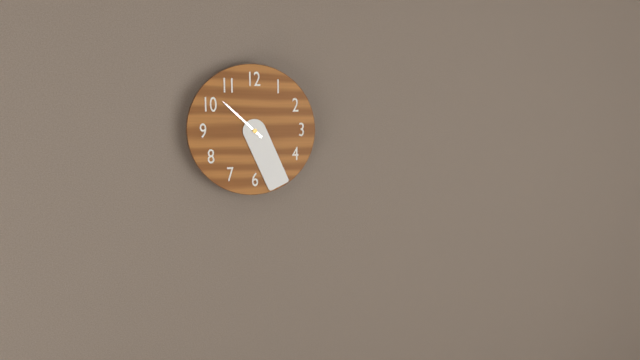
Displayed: 10h26
